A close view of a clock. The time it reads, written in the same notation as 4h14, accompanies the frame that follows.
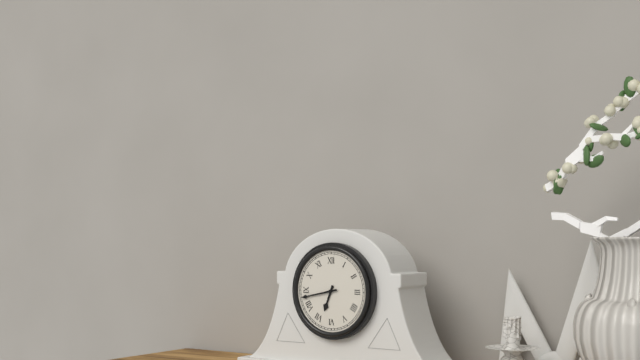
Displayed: 6h43
